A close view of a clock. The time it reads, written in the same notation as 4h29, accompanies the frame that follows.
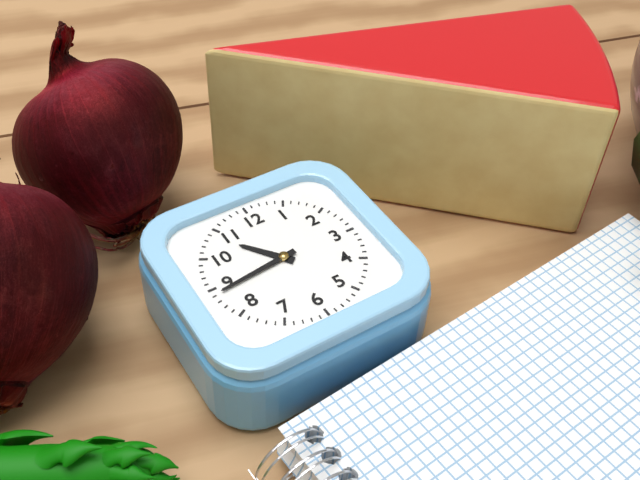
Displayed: 10h44
